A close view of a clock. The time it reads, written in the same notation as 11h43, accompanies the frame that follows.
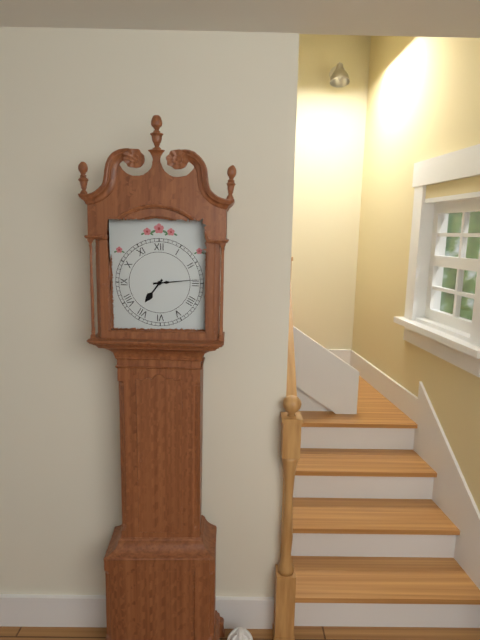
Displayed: 7h14
